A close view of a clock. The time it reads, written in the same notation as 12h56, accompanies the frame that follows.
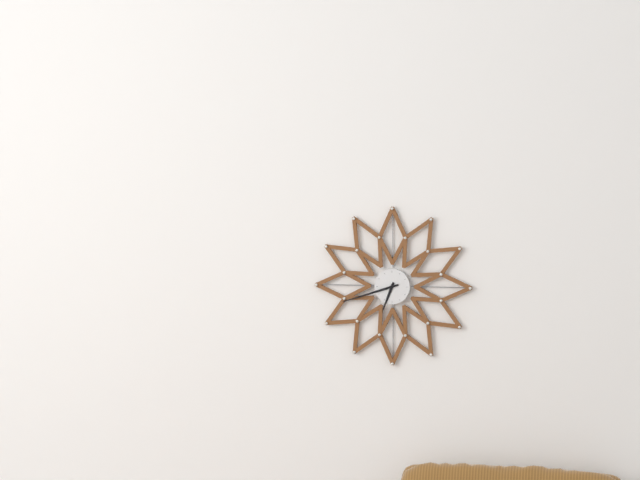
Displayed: 6h42
